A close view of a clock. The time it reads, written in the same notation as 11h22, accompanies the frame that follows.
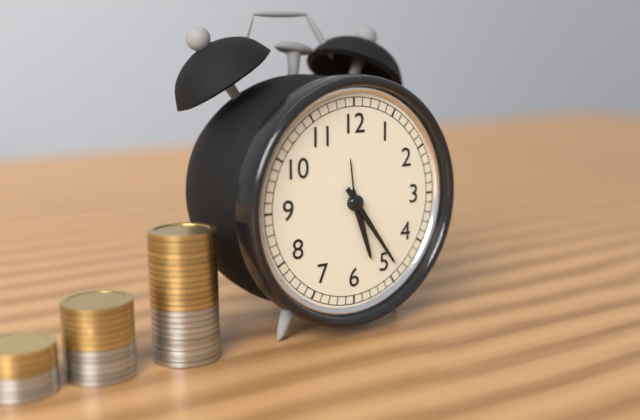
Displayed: 5h24
